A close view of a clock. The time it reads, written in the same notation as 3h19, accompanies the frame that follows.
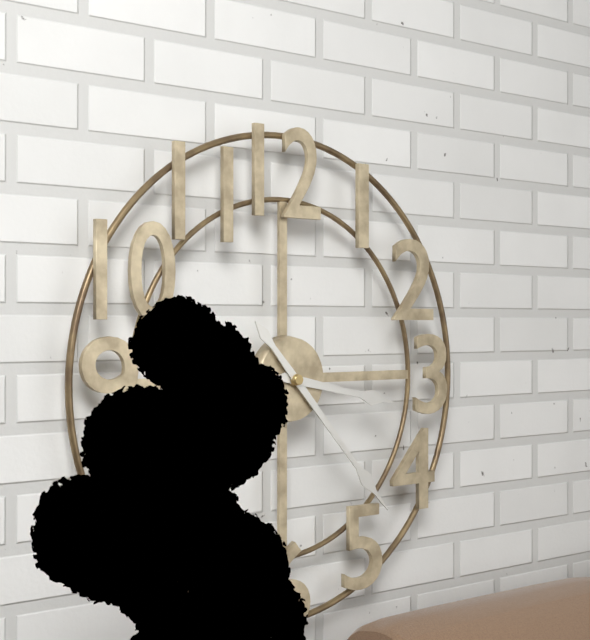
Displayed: 3h23
